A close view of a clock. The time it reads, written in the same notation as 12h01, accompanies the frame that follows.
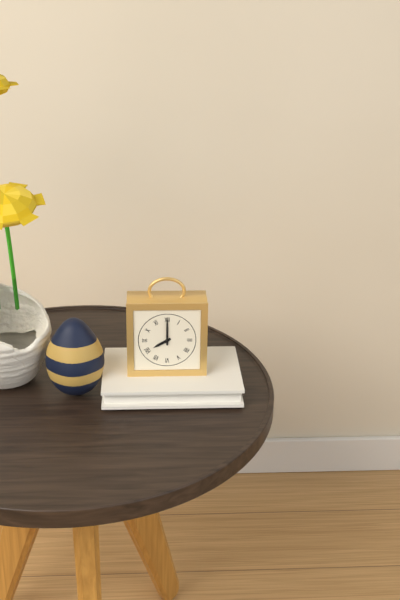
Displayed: 8h00
